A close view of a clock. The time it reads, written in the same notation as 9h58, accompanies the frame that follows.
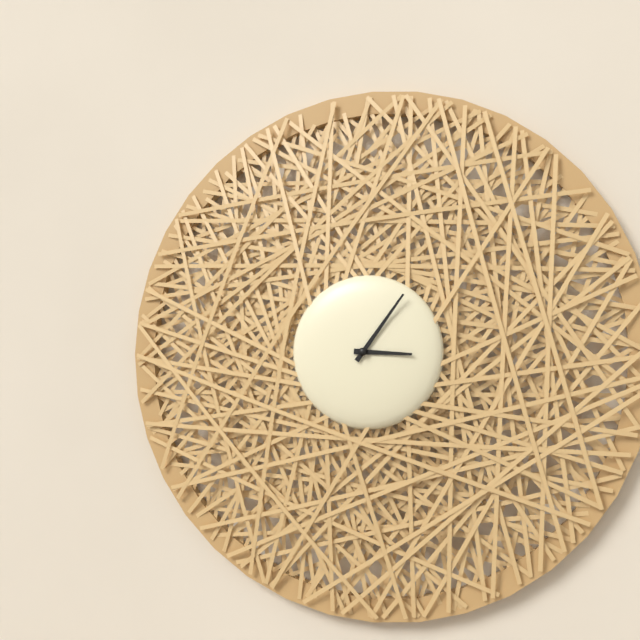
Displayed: 3h06
